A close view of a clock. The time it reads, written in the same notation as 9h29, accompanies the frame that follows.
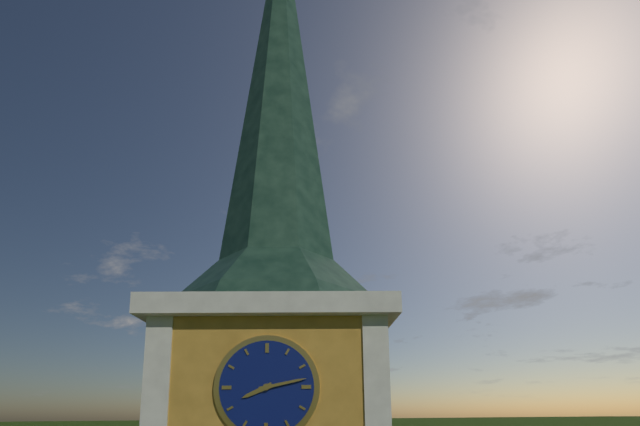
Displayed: 8h13
